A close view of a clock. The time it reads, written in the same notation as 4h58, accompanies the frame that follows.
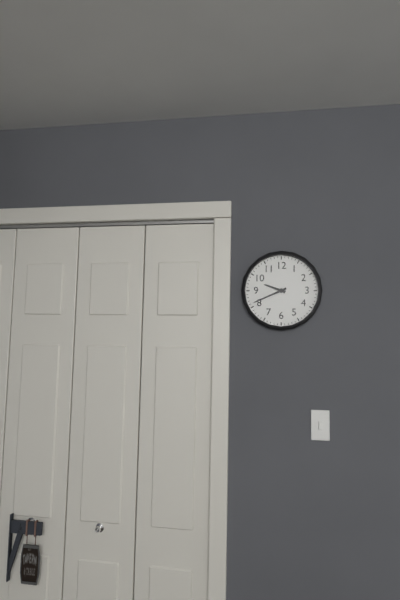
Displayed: 9h41
